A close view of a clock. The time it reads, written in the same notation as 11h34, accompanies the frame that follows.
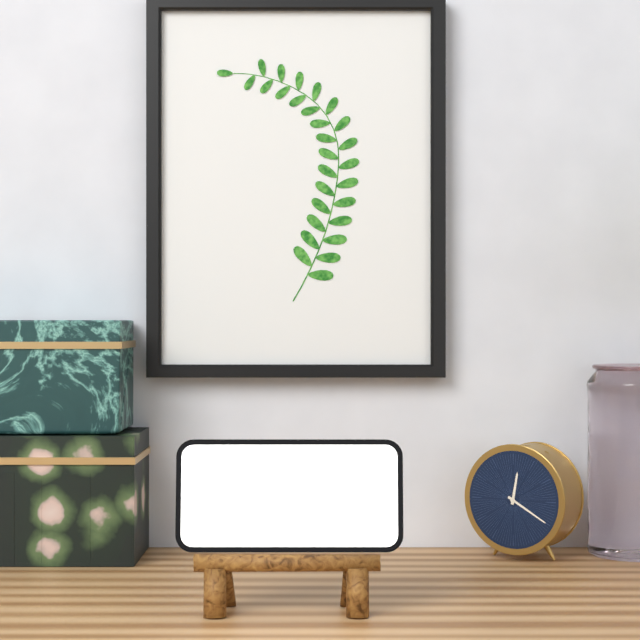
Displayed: 12h20
